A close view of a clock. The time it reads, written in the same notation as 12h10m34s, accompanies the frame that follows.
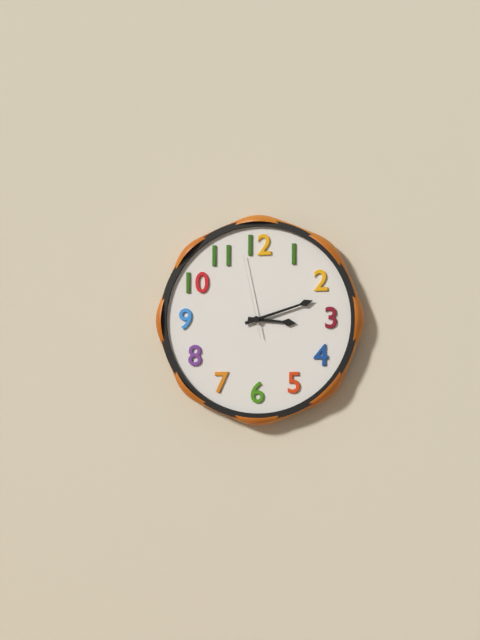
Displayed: 3h12m58s
